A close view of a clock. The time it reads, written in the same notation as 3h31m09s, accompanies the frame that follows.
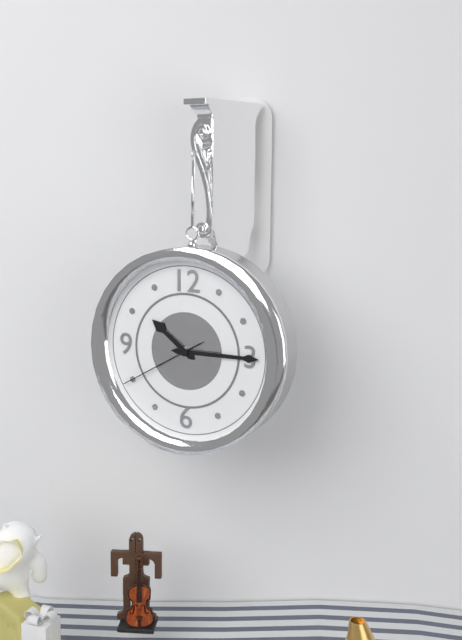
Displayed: 10h15m40s
